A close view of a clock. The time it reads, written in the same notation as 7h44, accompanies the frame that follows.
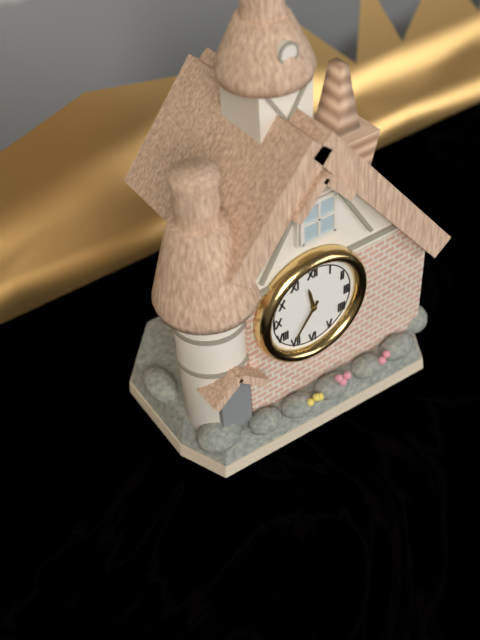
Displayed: 11h36
